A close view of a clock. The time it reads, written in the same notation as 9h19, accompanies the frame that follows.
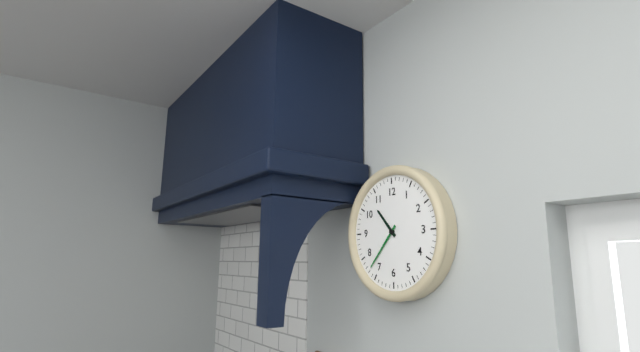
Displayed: 10h37
